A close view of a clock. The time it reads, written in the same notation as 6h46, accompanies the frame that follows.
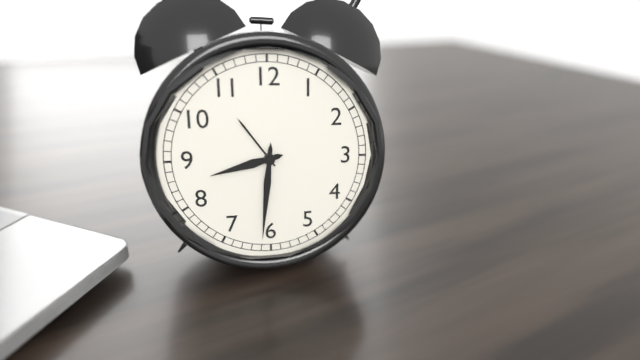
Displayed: 8h31
